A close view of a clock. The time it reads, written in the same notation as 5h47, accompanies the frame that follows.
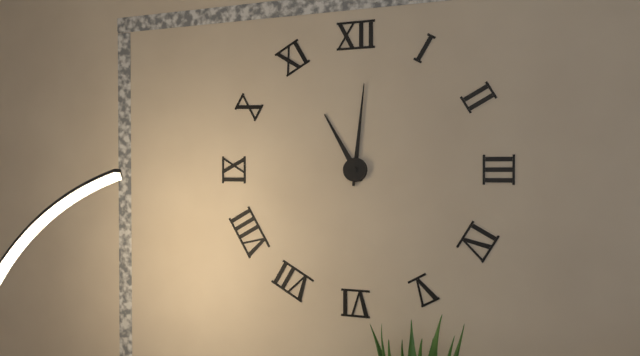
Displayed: 11h01
